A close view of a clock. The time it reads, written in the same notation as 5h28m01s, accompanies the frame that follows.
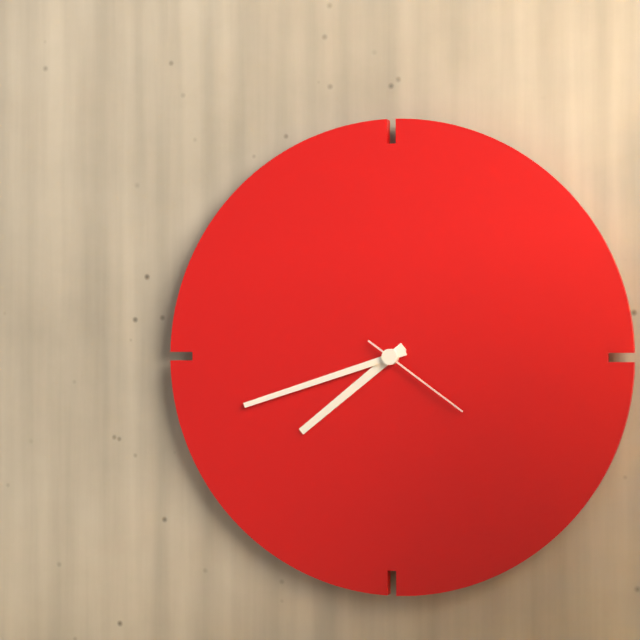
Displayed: 7h42m21s
